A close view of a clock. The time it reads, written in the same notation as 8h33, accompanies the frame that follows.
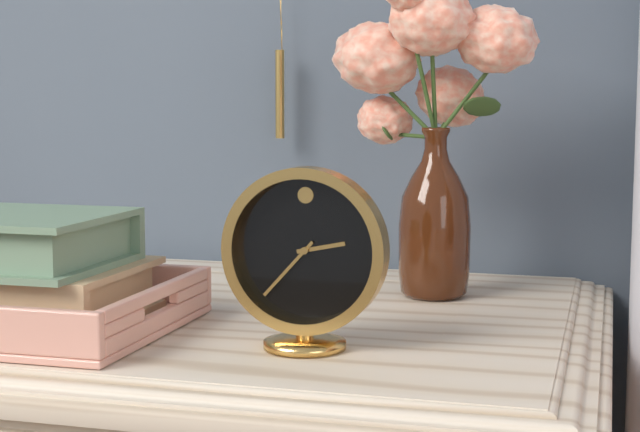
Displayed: 2h37
